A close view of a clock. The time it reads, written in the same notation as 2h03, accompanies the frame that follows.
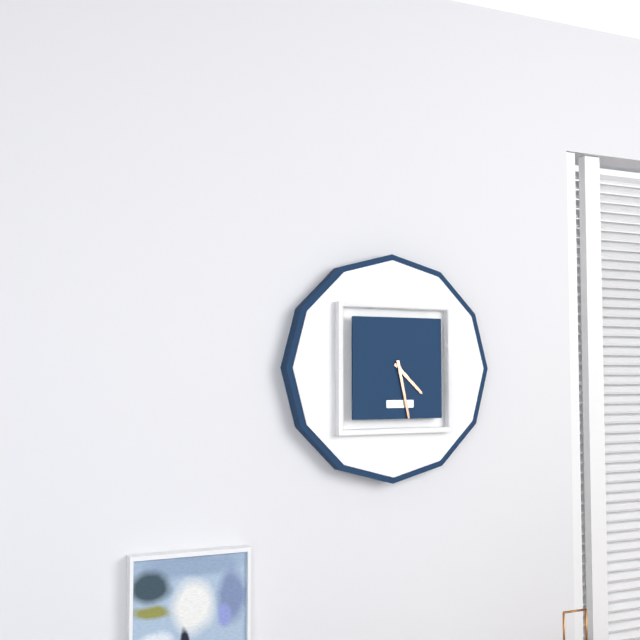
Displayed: 4h28
